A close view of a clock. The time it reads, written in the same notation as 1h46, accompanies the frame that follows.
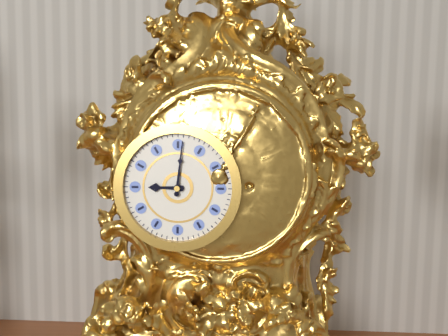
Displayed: 9h01
